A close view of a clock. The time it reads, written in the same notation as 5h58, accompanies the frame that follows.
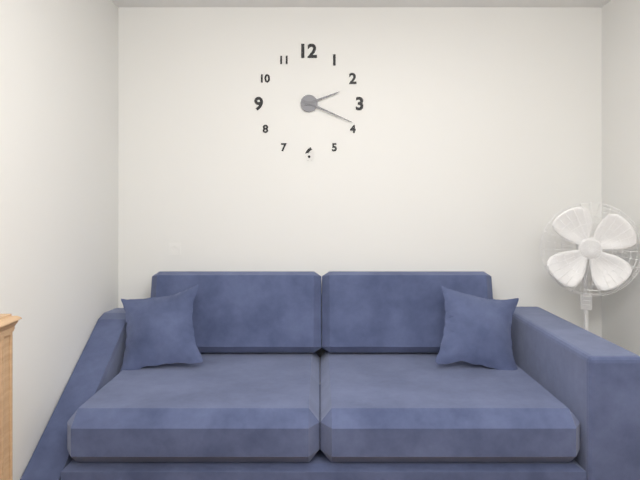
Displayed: 2h19
